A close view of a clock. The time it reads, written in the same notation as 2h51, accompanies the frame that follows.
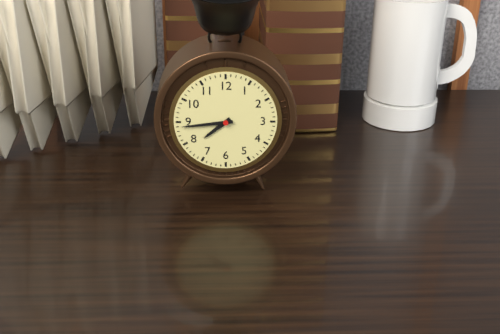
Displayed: 7h44
